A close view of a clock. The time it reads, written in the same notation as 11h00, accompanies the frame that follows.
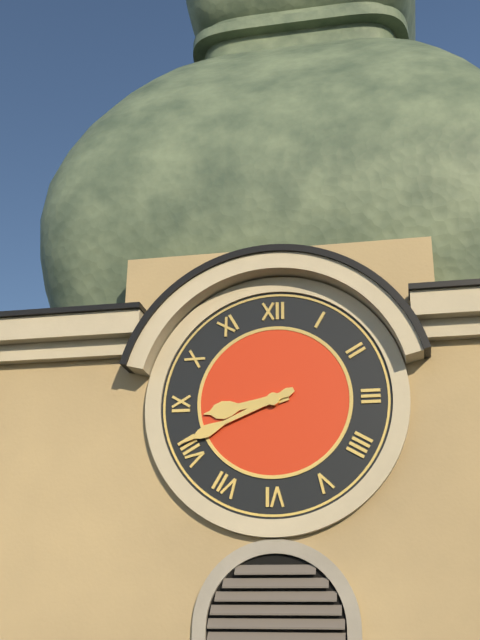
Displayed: 8h41
